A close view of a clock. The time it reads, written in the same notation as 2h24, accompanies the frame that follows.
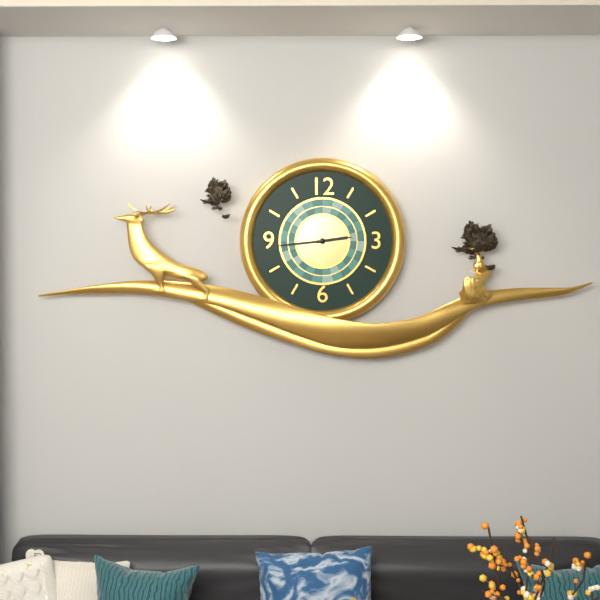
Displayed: 2h44
